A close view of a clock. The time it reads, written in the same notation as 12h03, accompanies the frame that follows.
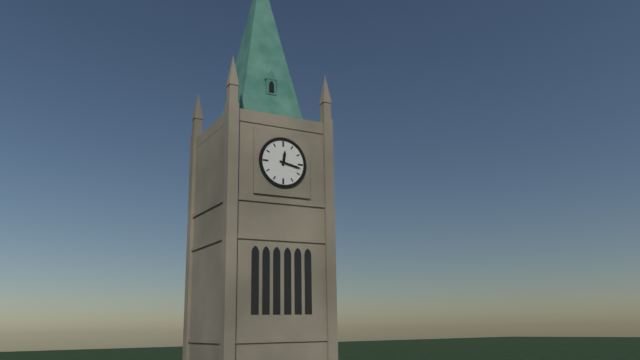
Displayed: 12h17
